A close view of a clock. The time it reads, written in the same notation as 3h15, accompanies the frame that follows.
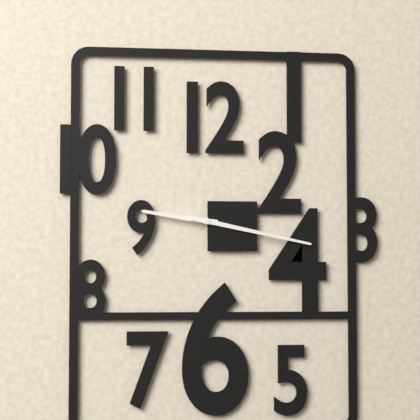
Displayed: 9h17
